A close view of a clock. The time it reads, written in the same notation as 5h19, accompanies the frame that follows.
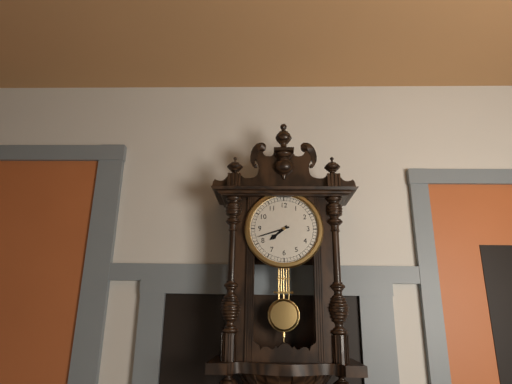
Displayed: 7h42
